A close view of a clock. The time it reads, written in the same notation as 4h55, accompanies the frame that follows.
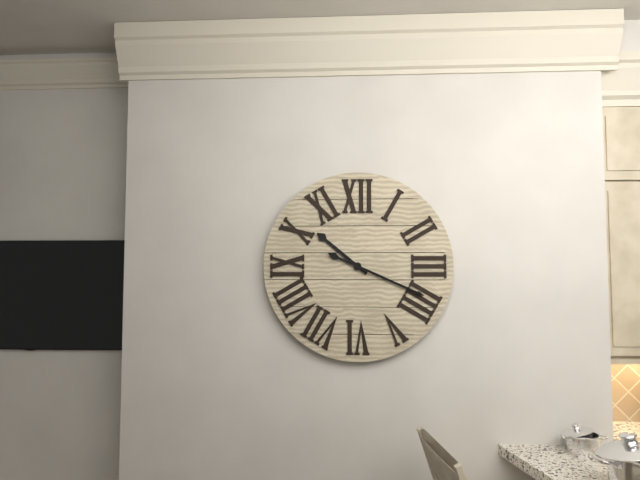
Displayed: 10h19
